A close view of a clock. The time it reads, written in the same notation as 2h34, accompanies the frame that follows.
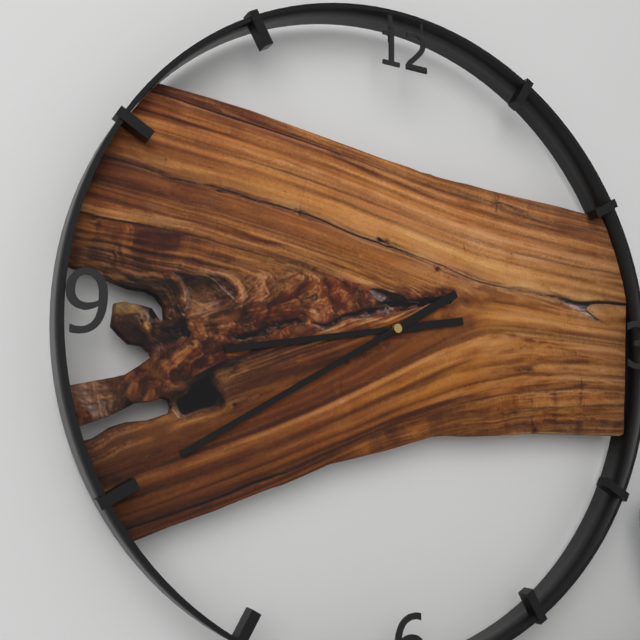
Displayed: 8h40
